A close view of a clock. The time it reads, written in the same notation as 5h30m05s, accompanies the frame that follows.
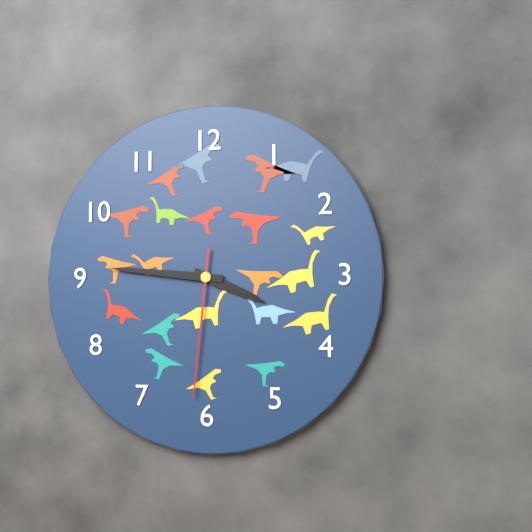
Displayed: 3h46m31s
